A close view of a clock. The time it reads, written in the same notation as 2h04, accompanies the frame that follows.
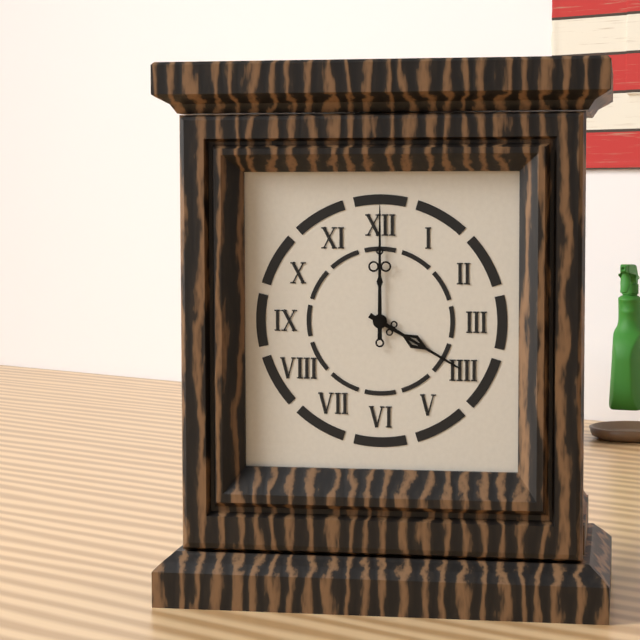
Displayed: 4h00
